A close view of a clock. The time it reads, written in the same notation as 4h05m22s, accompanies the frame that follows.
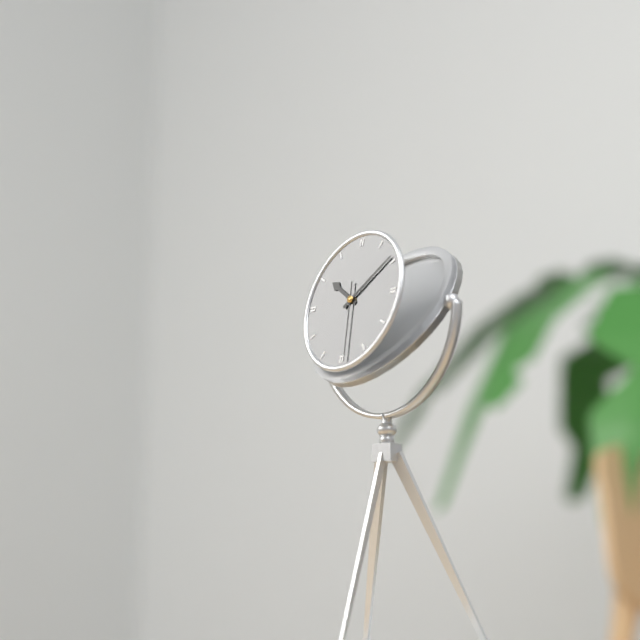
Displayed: 10h09m29s
